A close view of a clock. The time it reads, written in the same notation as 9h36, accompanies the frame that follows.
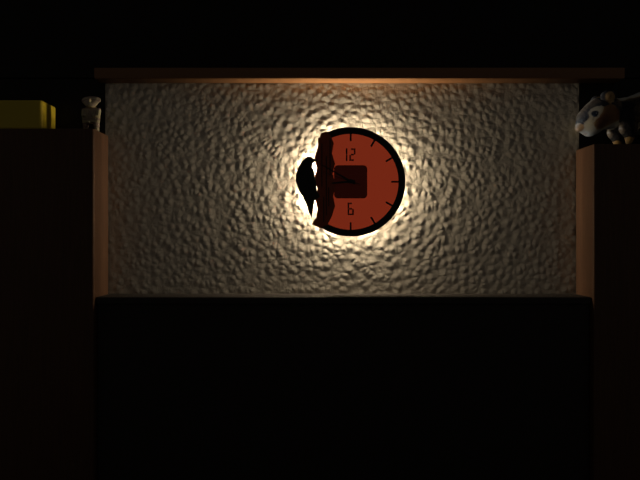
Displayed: 8h50
